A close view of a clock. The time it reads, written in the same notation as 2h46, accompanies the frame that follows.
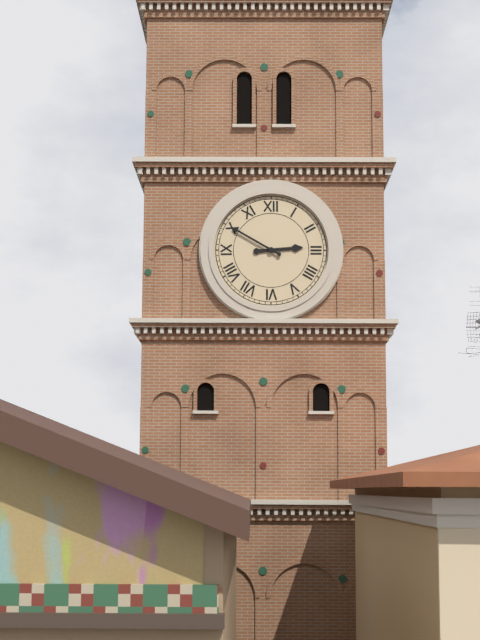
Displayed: 2h50
